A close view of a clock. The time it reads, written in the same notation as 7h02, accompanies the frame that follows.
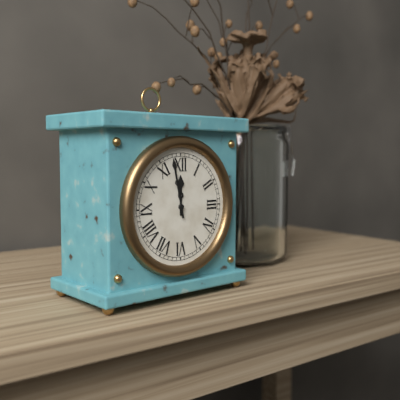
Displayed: 11h58
